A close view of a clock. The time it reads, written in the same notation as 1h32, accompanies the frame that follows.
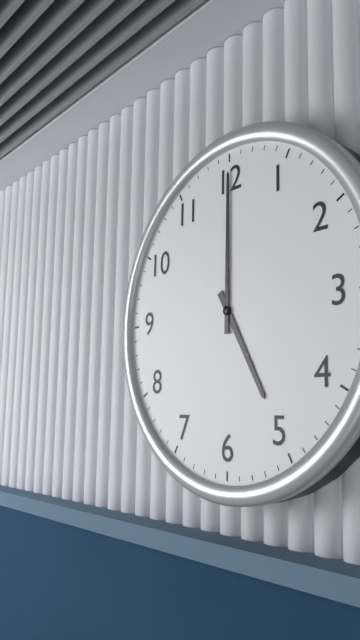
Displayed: 5h00
